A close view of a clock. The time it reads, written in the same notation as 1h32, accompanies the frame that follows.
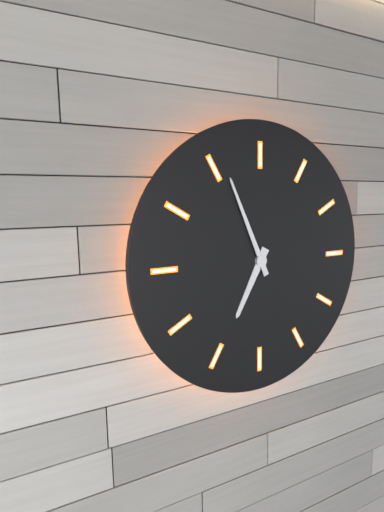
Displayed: 6h56
